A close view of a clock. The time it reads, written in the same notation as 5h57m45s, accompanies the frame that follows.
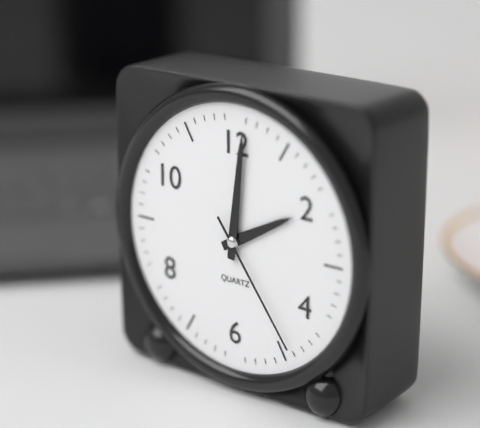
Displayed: 2h01m24s
